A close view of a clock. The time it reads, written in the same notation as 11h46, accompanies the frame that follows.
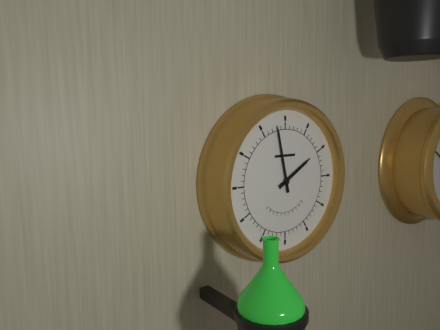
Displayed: 1h58
